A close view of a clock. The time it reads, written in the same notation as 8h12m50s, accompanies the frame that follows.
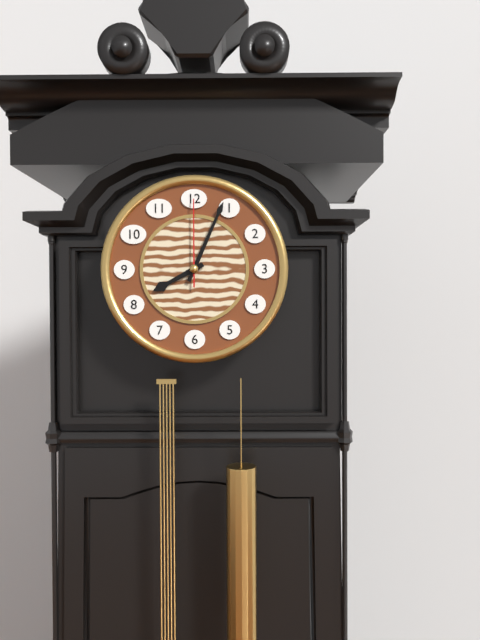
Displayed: 8h04m00s
